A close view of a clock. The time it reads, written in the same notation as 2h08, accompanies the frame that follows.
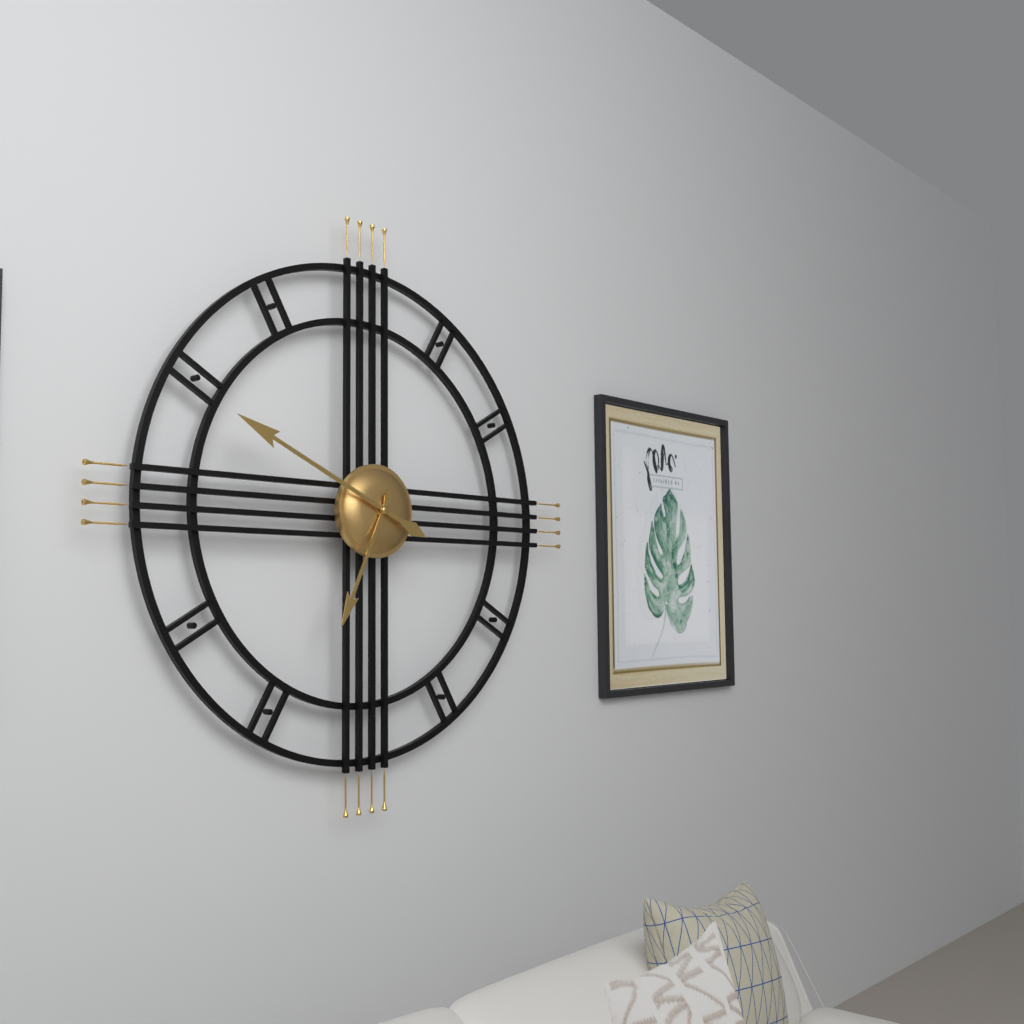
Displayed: 6h49
